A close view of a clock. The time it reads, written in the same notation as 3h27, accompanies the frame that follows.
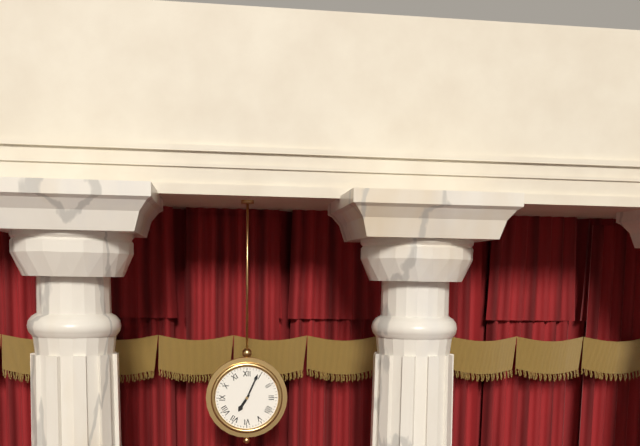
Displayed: 7h04
